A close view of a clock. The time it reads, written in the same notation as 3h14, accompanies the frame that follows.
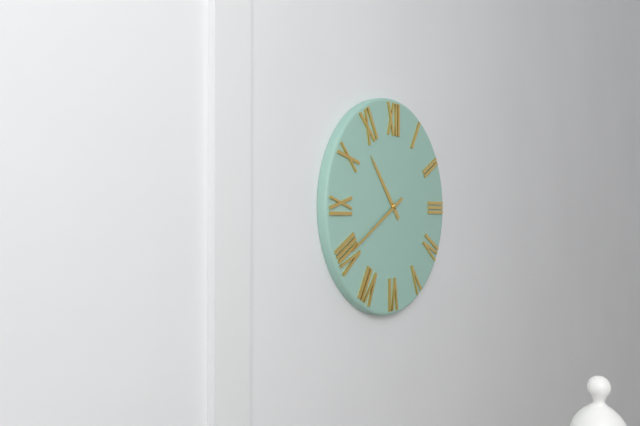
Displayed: 10h40
